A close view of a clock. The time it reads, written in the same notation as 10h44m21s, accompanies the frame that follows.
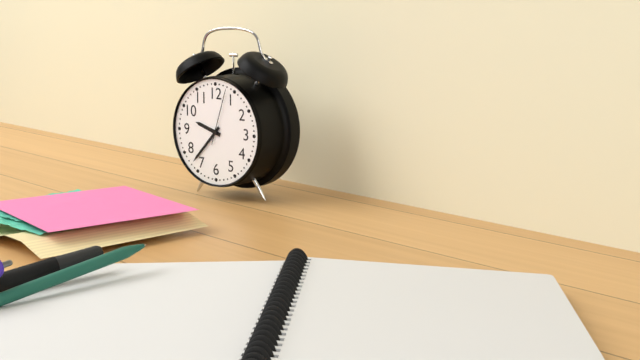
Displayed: 9h37m03s
